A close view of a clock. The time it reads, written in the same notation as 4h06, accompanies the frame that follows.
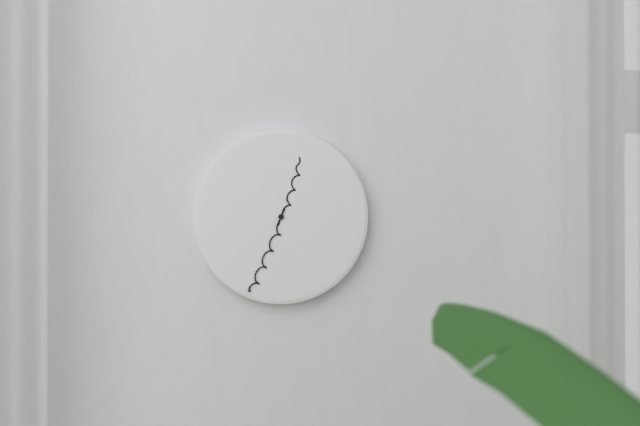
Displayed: 12h34
